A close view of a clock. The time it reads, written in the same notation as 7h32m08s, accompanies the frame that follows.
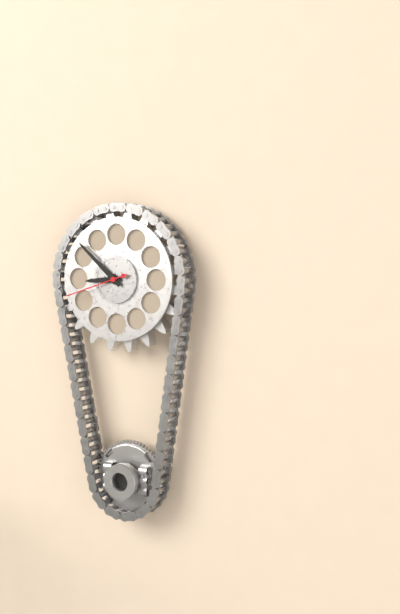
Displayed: 8h52m42s
